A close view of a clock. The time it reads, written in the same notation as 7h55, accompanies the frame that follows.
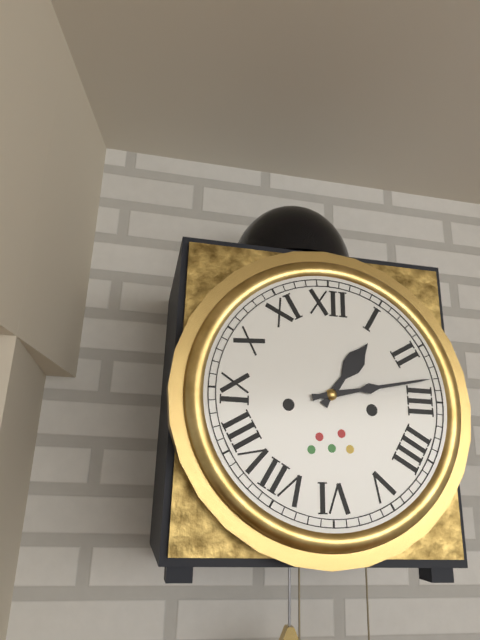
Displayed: 1h13
